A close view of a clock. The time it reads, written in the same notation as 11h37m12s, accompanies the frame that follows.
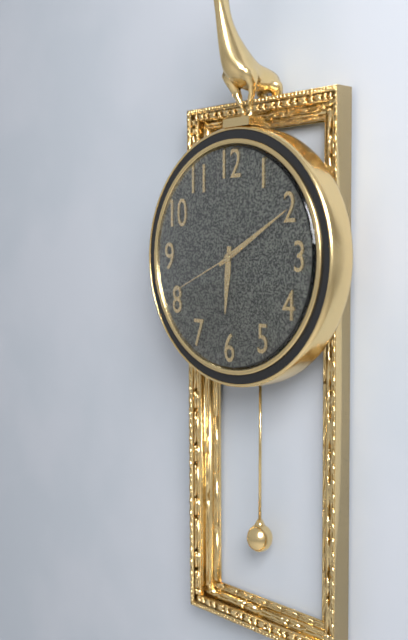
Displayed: 6h10m41s
